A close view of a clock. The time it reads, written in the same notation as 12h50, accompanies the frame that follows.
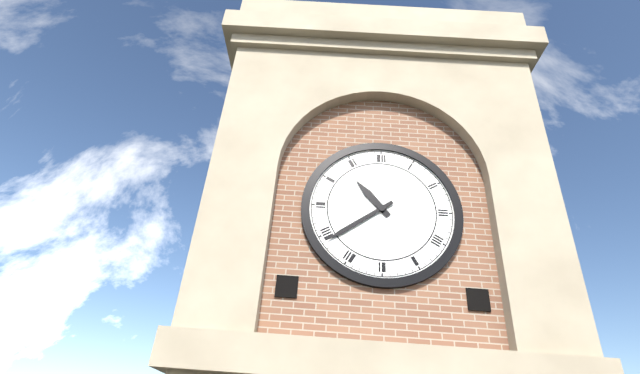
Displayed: 10h39
